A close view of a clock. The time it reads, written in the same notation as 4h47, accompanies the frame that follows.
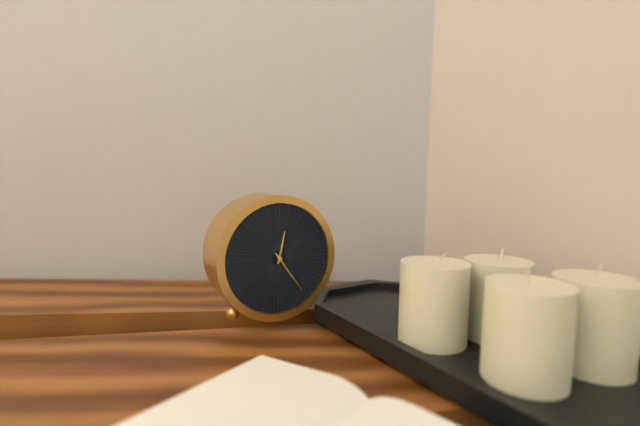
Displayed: 12h24
